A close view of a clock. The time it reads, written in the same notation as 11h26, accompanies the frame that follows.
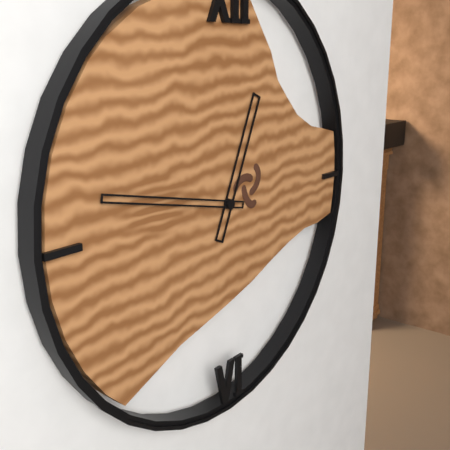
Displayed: 12h47
